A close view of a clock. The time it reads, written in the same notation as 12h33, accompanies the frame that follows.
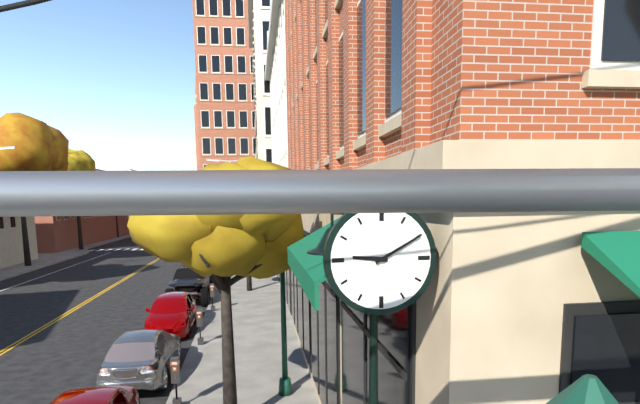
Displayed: 9h10
